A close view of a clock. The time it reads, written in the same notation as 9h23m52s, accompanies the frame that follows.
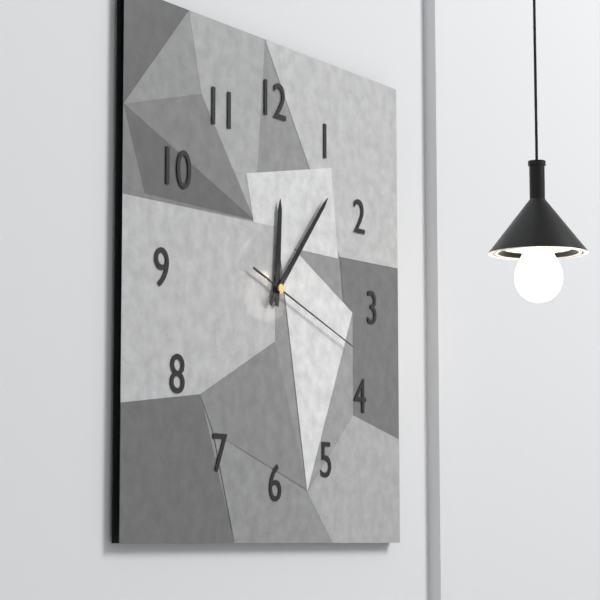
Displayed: 12h07m18s
